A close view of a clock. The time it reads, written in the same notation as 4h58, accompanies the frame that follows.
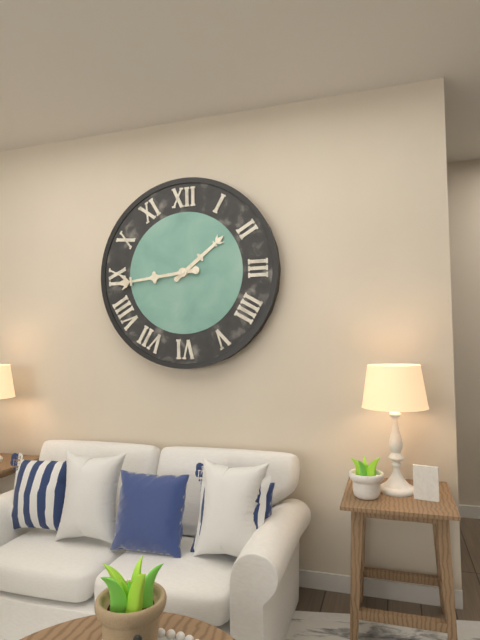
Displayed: 1h44
